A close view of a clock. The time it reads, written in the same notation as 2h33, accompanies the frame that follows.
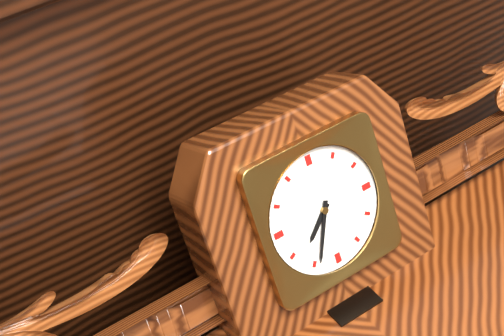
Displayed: 7h34
